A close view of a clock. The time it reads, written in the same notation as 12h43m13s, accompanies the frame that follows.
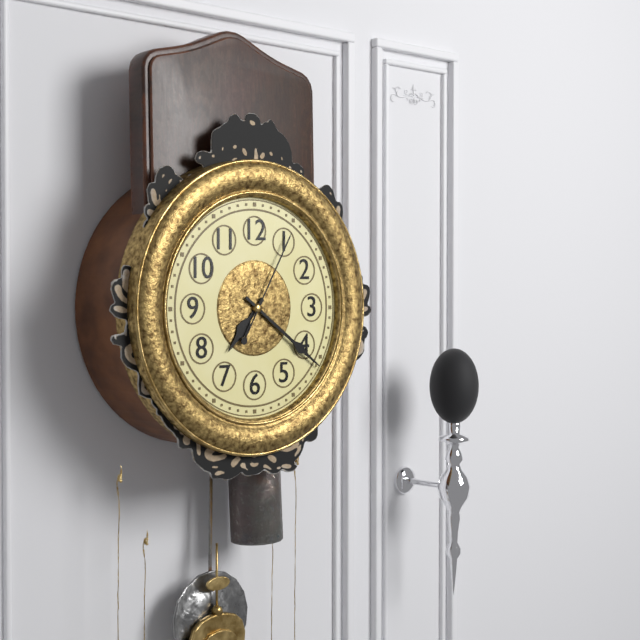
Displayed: 7h21m05s
